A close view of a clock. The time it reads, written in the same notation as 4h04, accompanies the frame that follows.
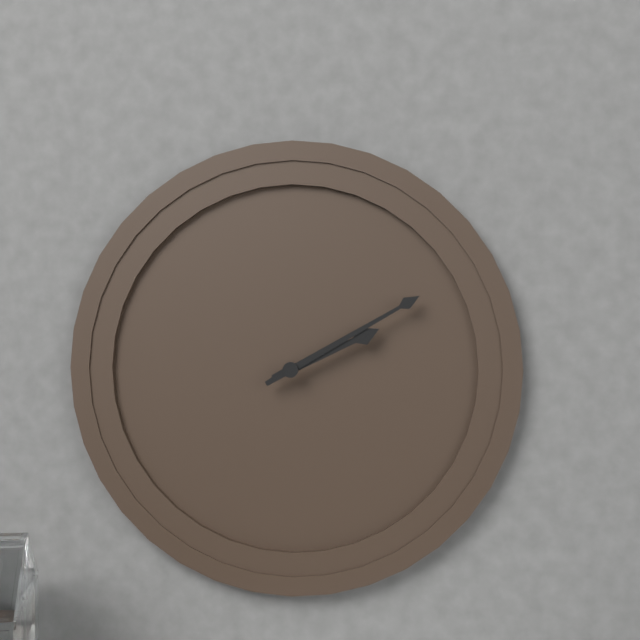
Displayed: 2h10
